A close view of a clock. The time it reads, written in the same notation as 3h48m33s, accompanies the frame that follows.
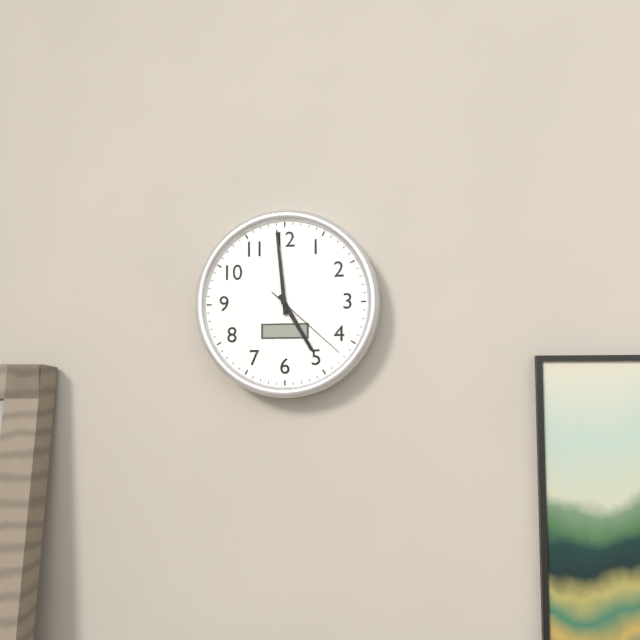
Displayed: 4h59m22s
